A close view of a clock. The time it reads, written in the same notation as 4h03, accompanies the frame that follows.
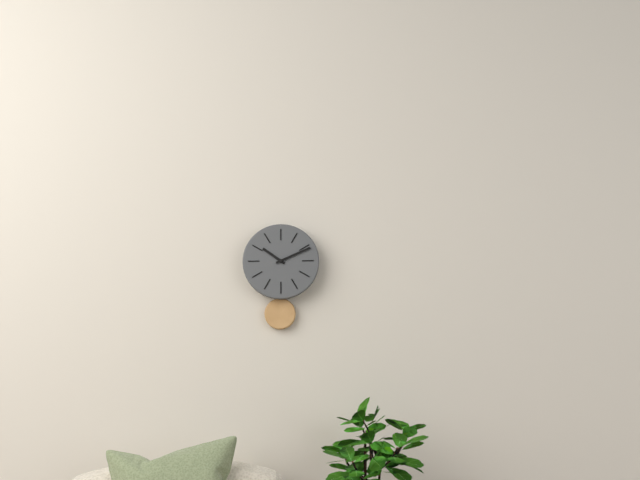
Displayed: 10h11
